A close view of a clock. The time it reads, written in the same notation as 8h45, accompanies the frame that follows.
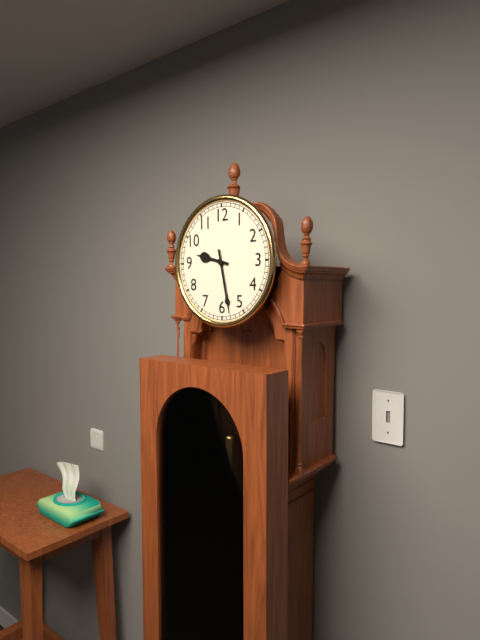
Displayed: 9h28
